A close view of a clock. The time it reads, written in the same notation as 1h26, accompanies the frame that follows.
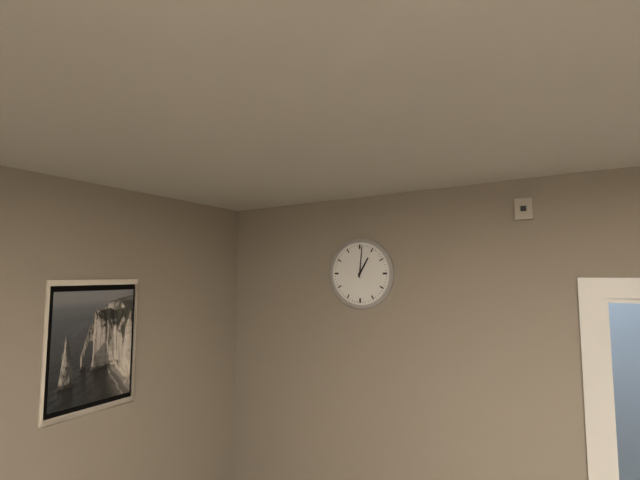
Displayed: 1h01
